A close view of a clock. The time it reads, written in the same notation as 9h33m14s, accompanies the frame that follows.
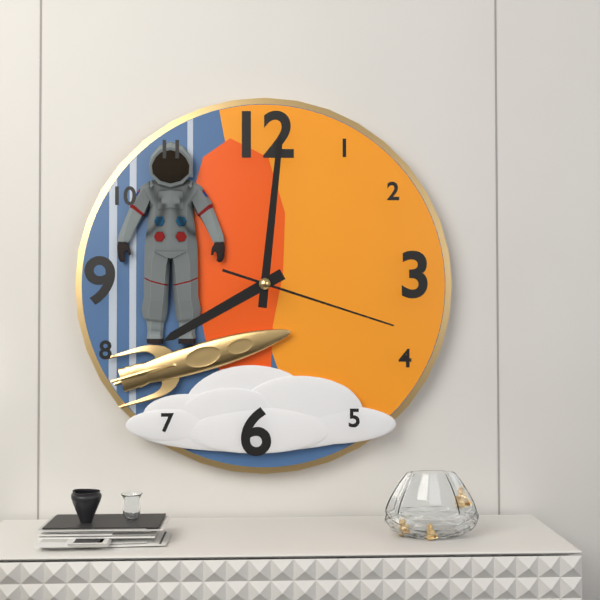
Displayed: 8h01m18s
